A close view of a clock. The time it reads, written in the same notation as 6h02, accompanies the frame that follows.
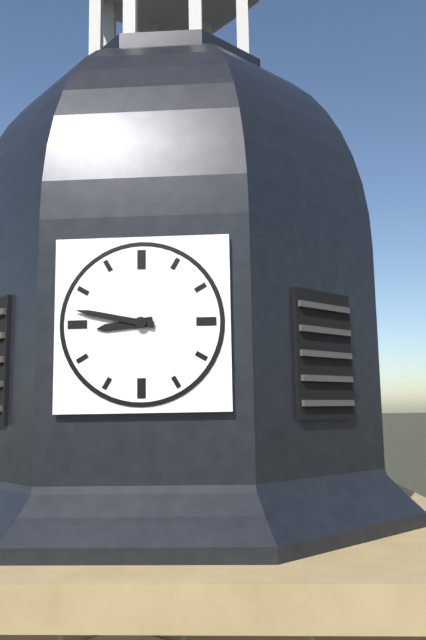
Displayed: 8h47
